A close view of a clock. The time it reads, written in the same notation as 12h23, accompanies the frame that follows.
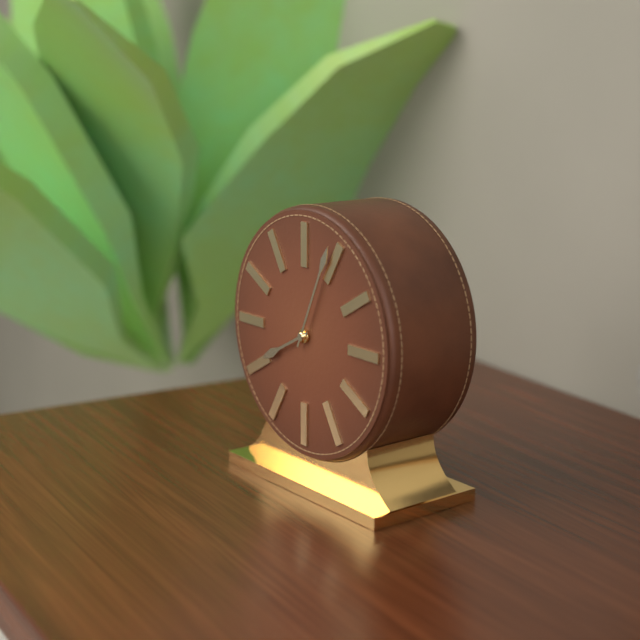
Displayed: 8h04
